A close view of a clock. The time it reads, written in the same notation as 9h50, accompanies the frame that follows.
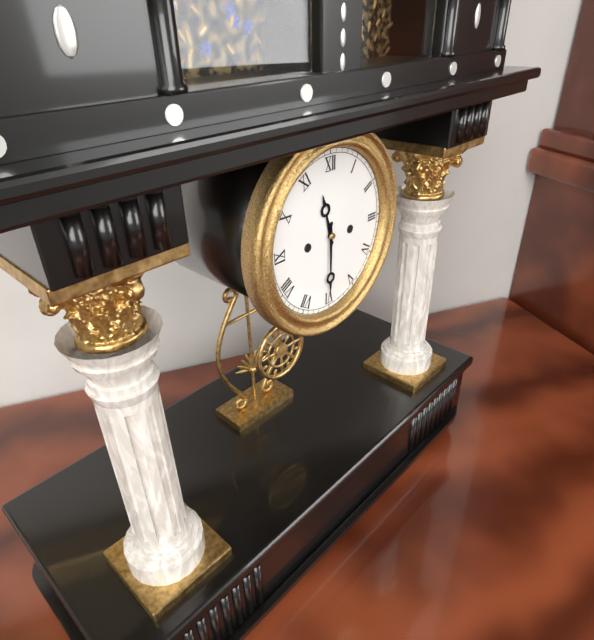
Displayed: 11h30
